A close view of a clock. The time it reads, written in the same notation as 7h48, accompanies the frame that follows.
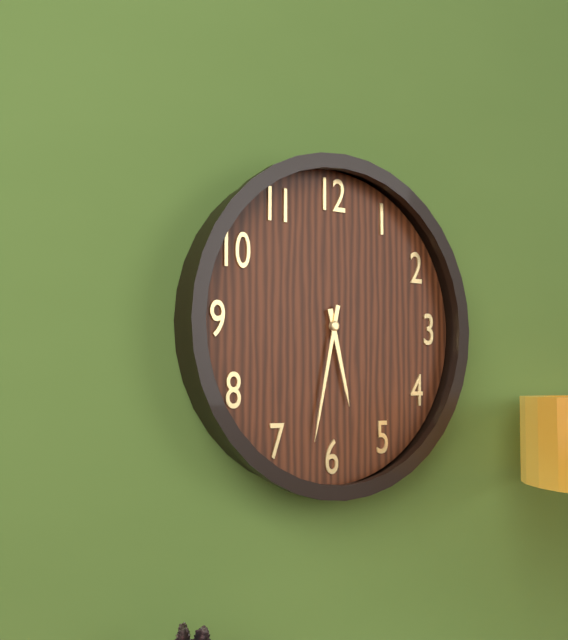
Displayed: 5h32
